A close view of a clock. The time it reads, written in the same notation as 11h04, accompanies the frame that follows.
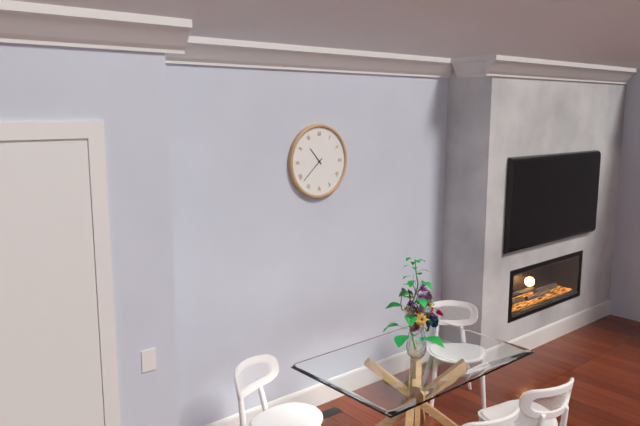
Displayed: 10h38
